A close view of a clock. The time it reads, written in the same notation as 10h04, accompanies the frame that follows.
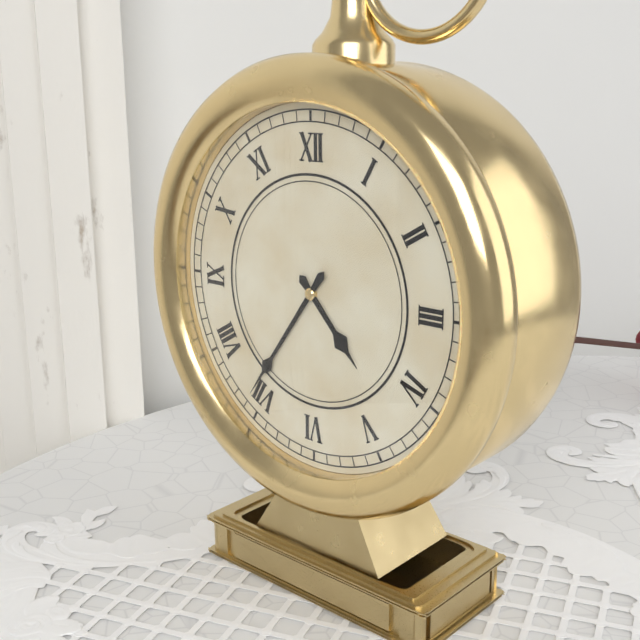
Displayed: 4h36
